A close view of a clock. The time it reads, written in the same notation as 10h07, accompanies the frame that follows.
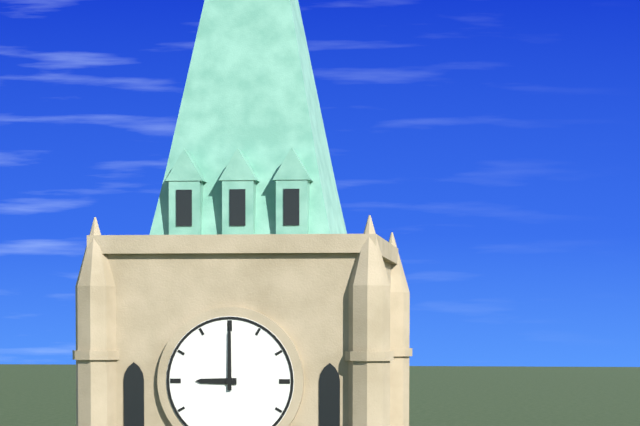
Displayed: 9h00
